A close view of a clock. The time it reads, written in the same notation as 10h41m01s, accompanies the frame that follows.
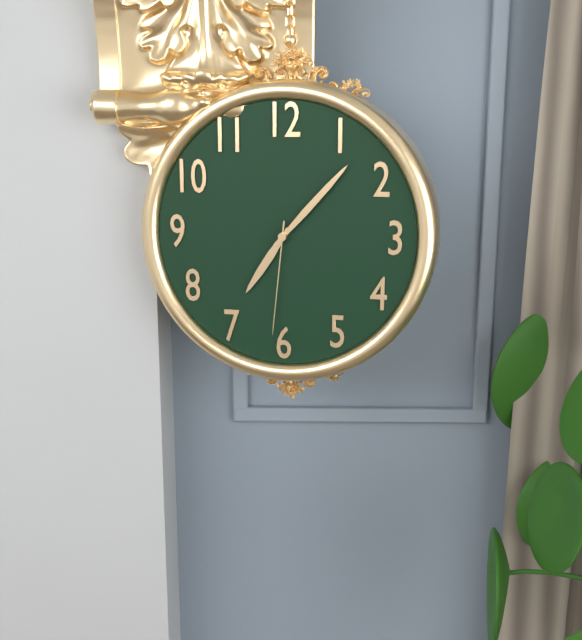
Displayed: 7h07m31s
